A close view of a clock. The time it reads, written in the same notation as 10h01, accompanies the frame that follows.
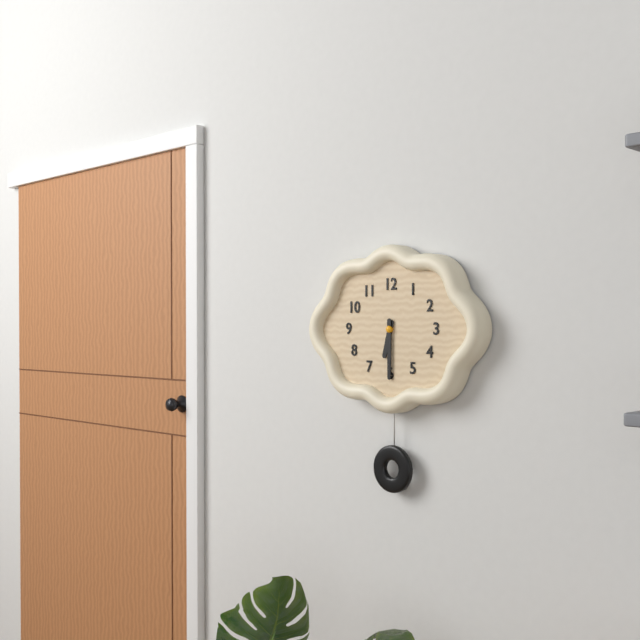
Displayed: 6h30
